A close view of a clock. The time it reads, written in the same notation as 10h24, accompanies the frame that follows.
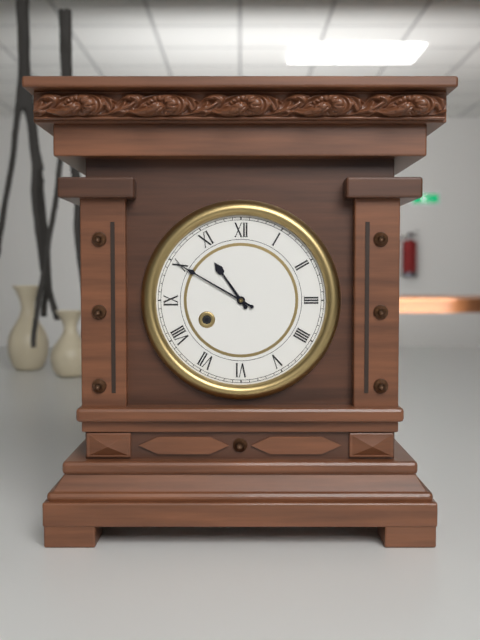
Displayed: 10h50
